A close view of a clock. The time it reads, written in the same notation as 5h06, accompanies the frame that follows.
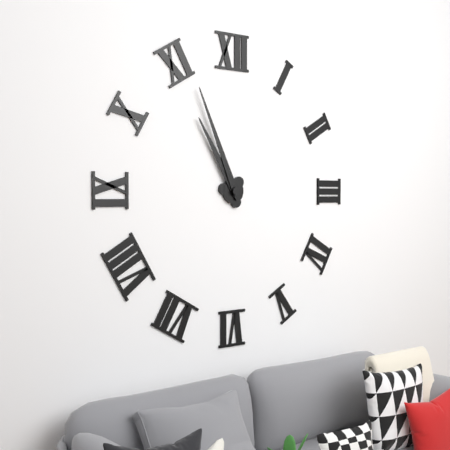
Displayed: 10h56
